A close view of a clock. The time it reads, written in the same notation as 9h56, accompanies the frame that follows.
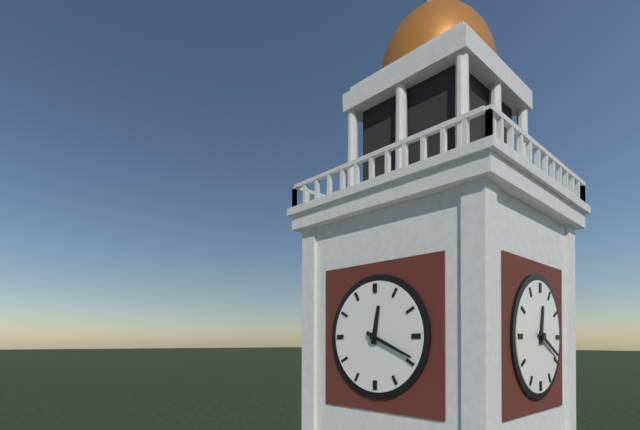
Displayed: 12h19
